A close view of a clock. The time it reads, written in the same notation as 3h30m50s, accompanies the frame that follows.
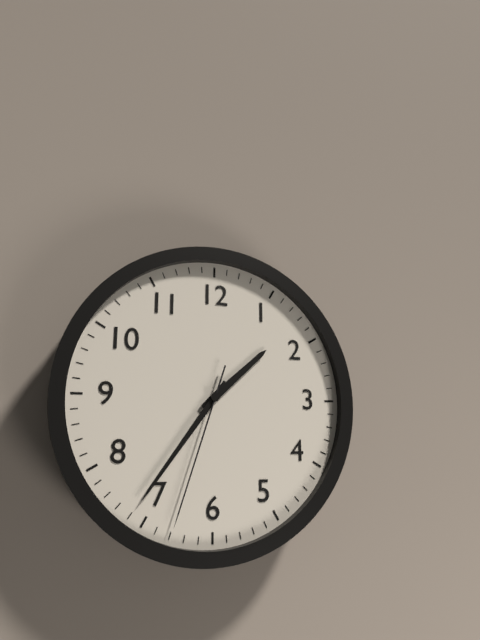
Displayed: 1h36m33s
